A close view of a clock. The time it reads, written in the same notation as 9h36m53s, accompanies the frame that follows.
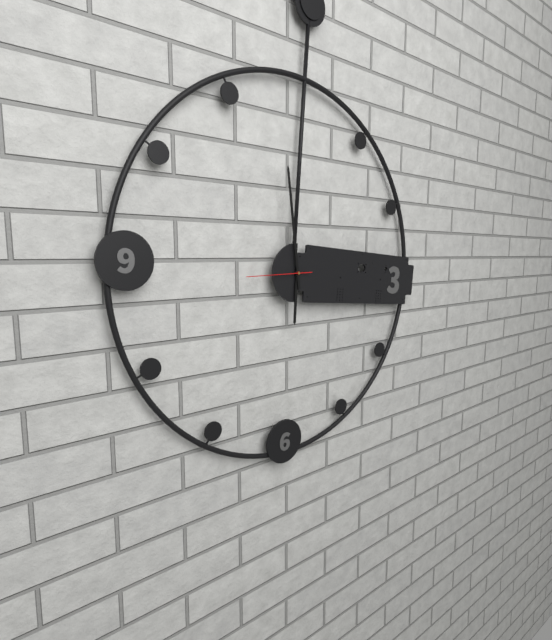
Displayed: 5h58m44s
